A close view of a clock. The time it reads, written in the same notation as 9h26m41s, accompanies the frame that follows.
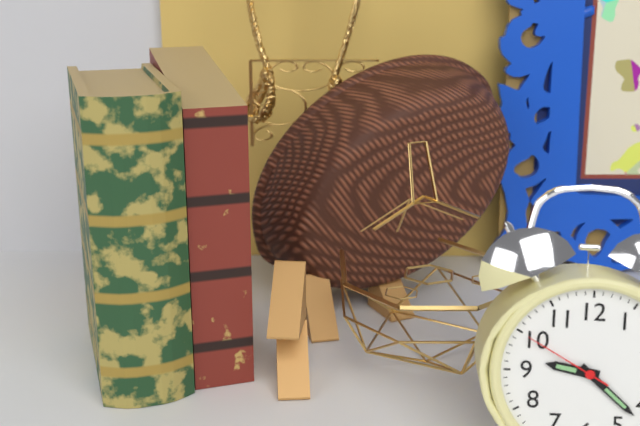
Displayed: 9h22m50s
